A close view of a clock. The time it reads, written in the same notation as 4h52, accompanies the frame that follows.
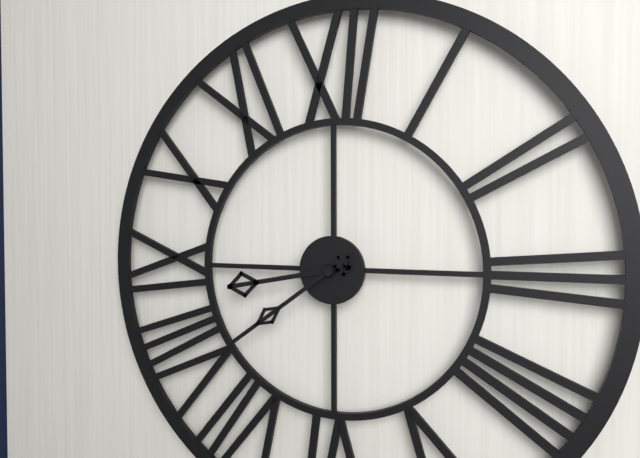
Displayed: 8h39
